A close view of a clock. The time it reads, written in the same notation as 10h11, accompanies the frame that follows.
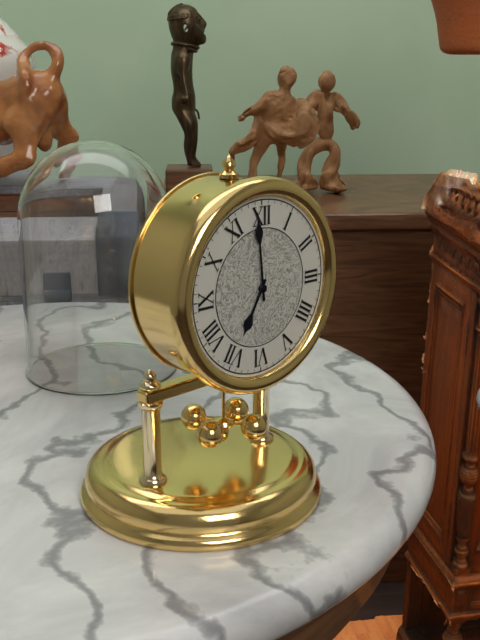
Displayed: 6h59
